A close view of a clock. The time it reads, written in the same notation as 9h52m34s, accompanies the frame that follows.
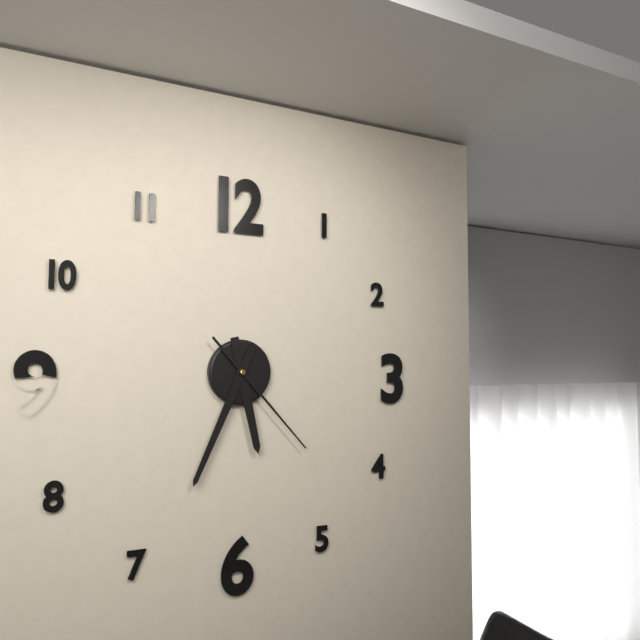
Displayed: 5h34m23s
